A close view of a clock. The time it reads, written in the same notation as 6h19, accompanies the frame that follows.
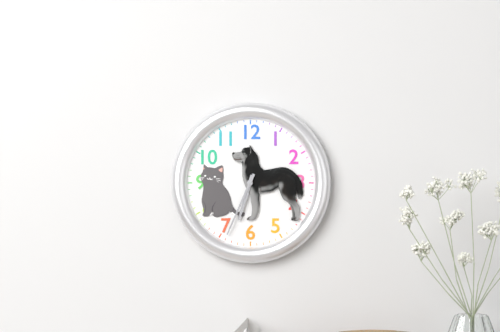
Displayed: 6h34
